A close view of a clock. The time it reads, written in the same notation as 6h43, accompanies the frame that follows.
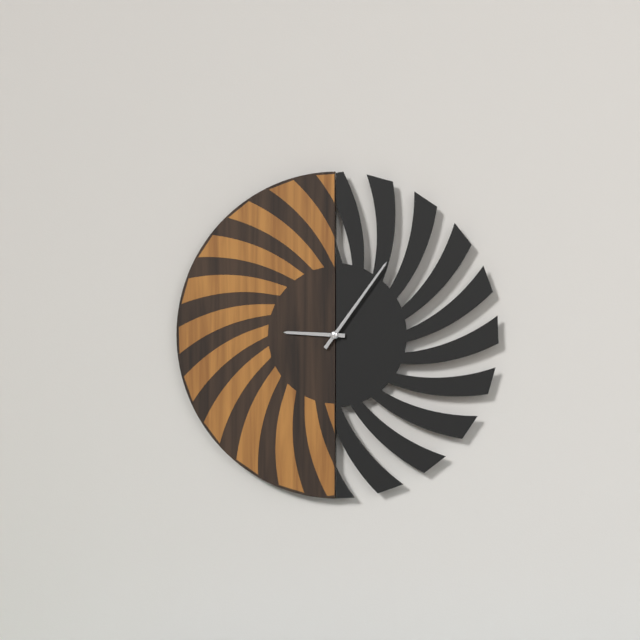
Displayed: 9h06
